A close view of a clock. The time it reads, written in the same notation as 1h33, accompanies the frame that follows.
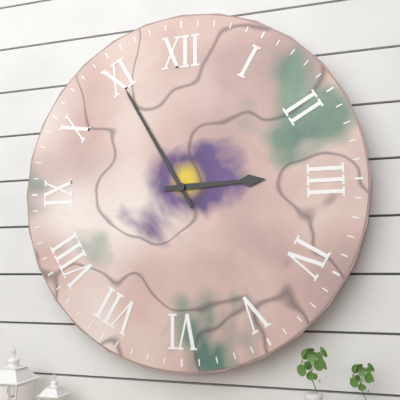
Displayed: 2h55
